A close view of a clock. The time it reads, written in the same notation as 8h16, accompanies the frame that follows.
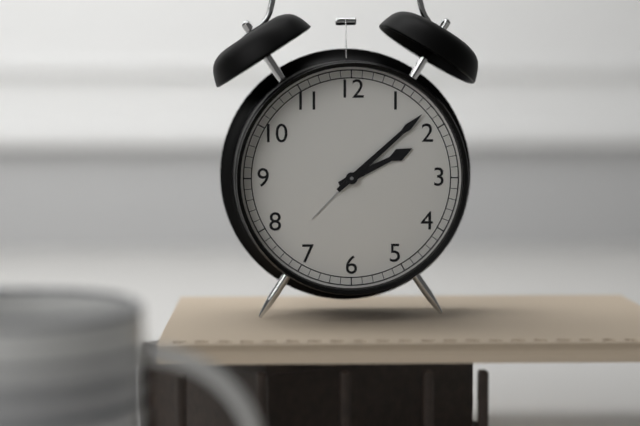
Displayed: 2h08
